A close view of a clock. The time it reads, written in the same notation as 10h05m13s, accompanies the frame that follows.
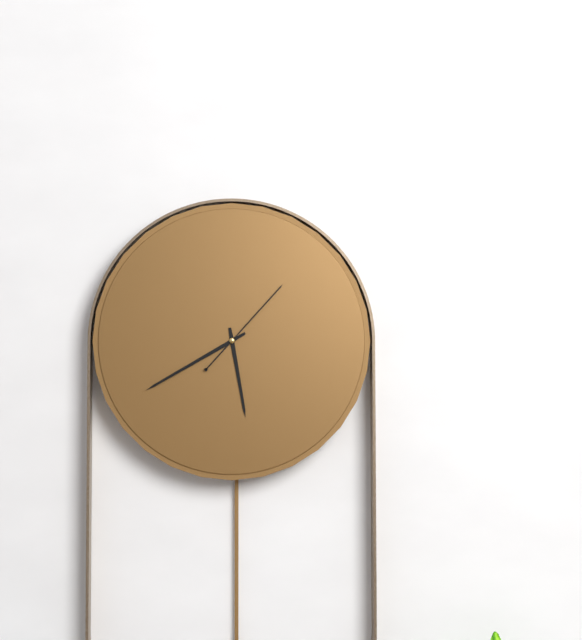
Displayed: 5h40m07s
